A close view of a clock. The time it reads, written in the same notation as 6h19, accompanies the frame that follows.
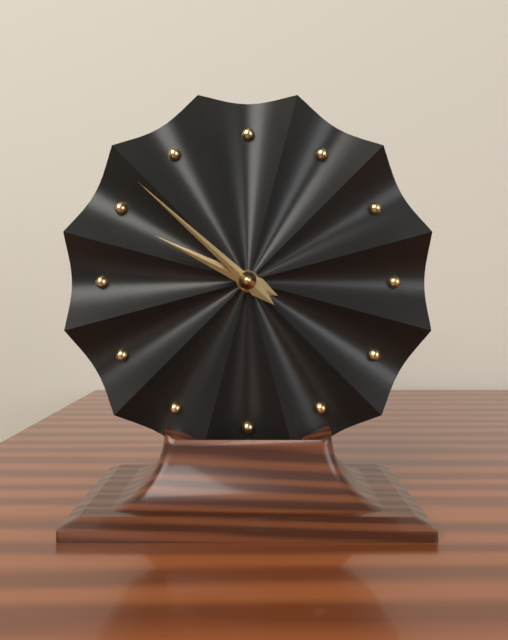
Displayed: 9h52
